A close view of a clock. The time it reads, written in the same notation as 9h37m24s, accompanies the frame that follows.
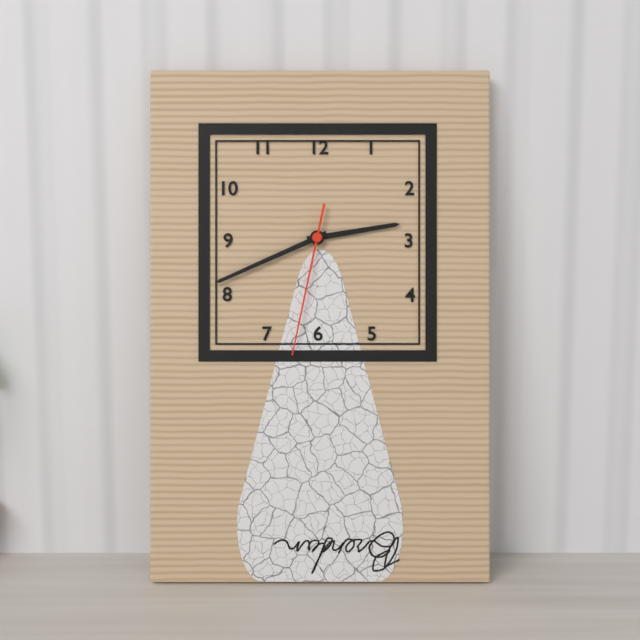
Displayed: 2h41m32s
